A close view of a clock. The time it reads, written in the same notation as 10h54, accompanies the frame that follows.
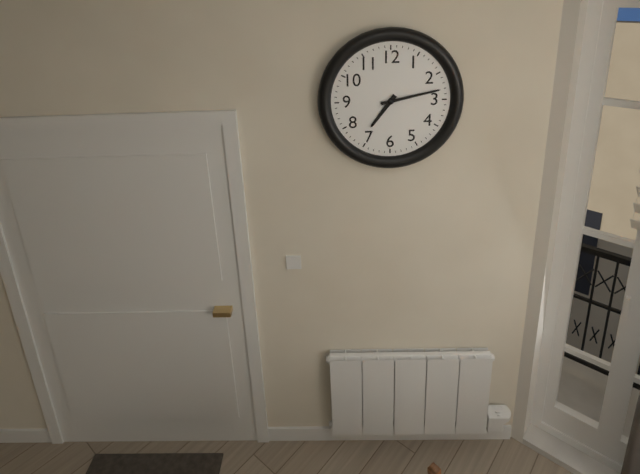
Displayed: 7h13
